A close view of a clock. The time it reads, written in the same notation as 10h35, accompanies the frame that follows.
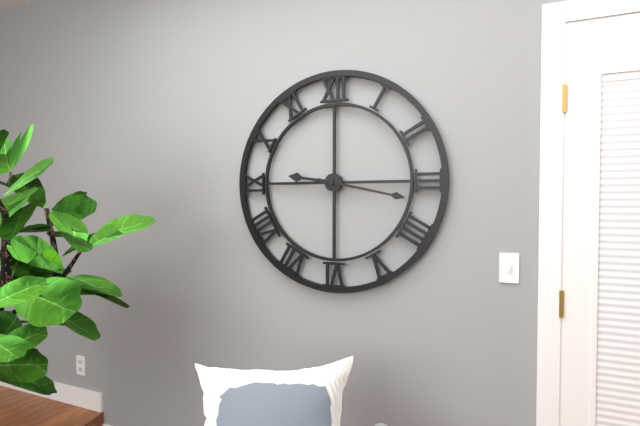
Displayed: 9h17
